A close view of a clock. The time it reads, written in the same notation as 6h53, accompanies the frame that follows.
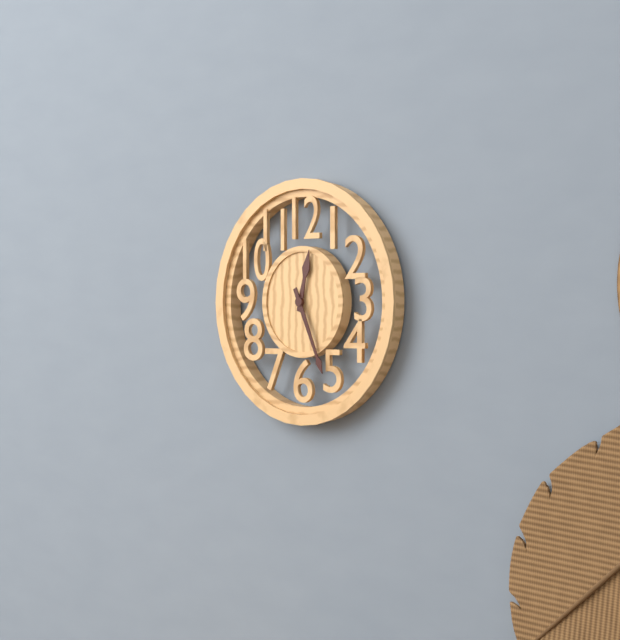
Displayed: 12h26
